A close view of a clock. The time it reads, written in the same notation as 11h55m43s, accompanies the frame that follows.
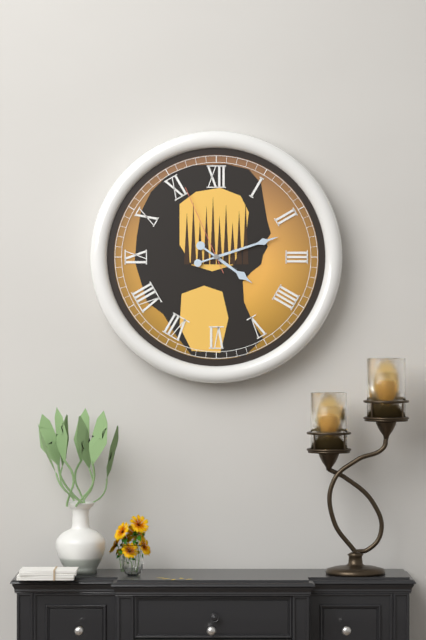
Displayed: 4h12m56s
